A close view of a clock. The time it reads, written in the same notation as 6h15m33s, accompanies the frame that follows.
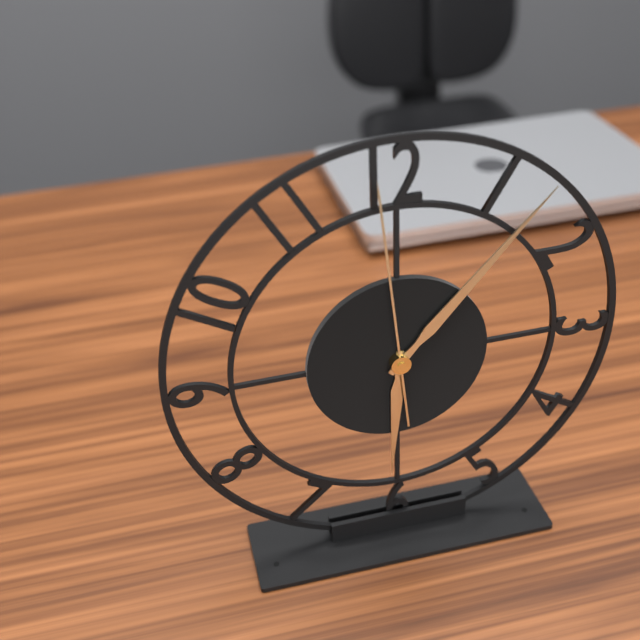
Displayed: 6h07m59s
